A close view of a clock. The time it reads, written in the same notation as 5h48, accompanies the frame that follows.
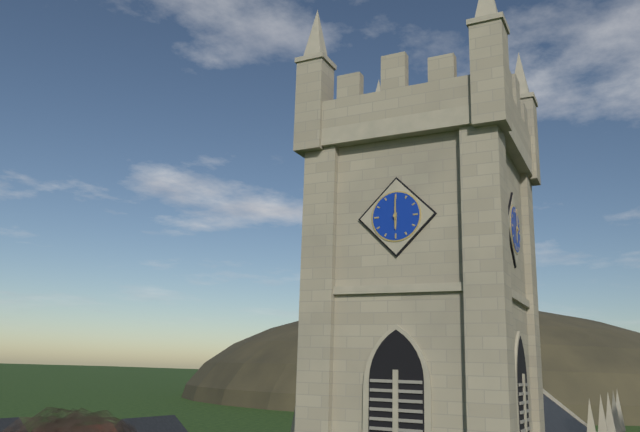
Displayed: 6h00
